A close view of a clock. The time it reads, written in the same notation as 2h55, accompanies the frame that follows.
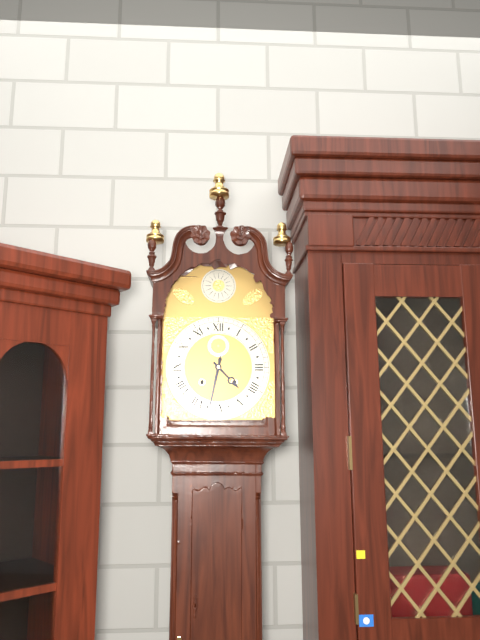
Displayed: 4h32
